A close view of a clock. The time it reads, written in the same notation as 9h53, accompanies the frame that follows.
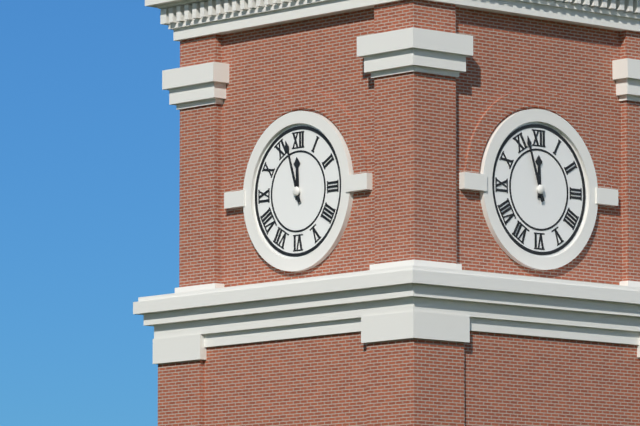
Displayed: 11h57
